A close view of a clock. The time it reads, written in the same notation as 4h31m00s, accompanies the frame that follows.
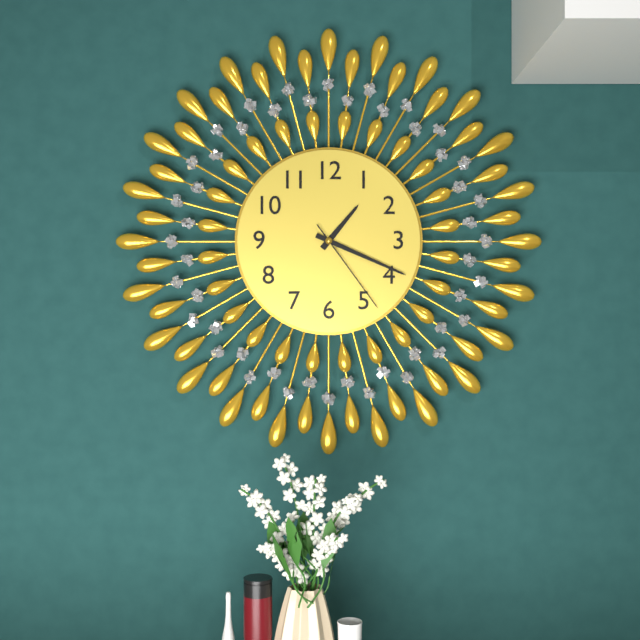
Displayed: 1h19m24s
